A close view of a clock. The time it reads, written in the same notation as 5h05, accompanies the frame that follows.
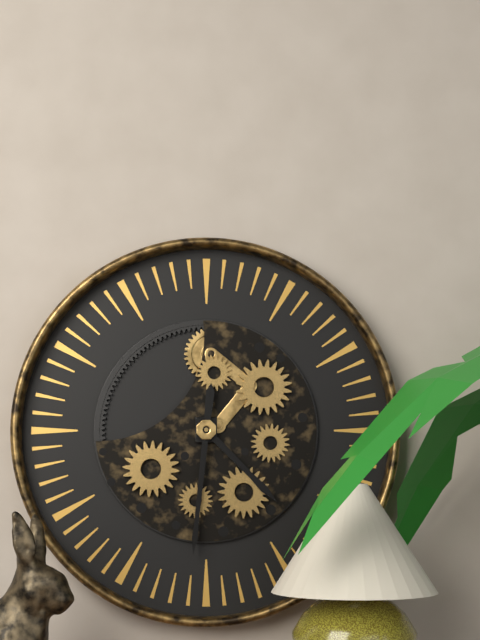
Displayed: 4h31
